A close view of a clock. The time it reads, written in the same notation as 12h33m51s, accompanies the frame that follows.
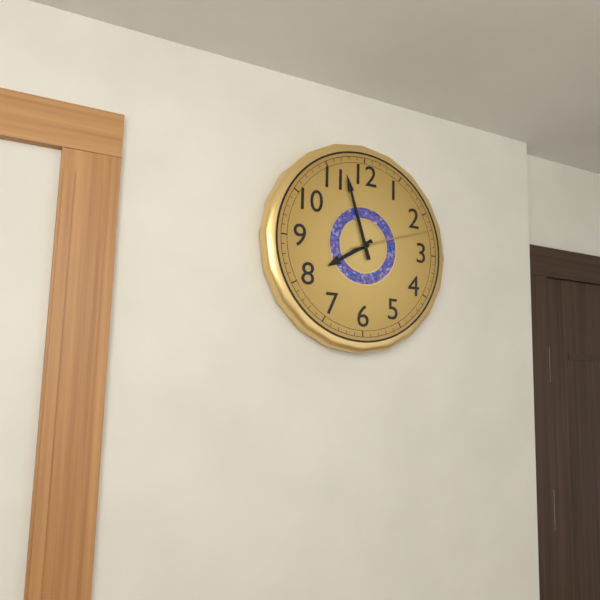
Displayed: 7h57m12s
